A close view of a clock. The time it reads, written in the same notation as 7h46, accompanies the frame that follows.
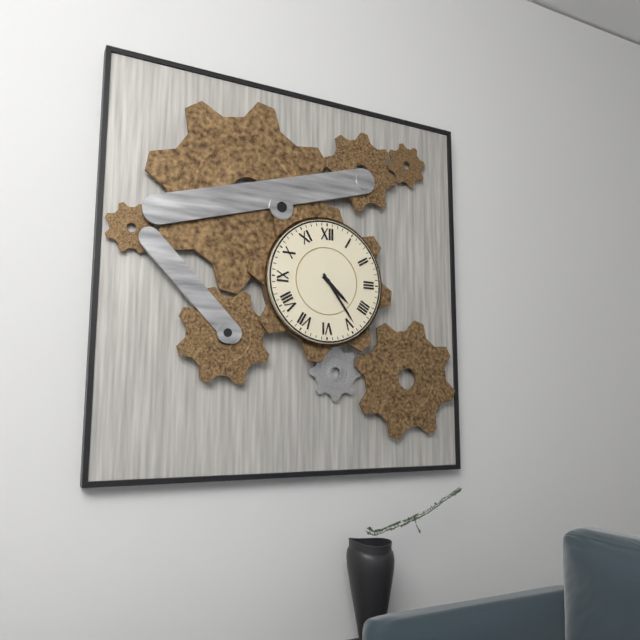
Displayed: 4h24
